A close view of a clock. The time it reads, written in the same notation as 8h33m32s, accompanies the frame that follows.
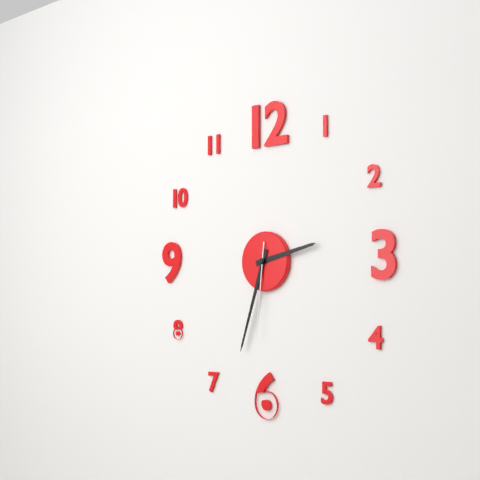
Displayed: 2h33m31s
